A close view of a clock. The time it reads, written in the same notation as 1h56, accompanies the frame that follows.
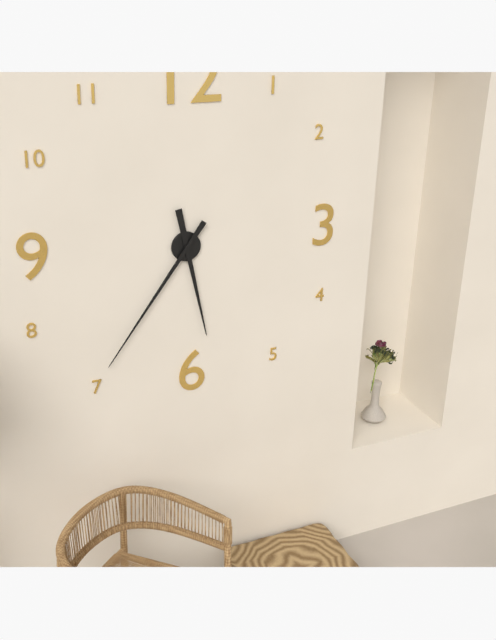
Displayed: 5h36
